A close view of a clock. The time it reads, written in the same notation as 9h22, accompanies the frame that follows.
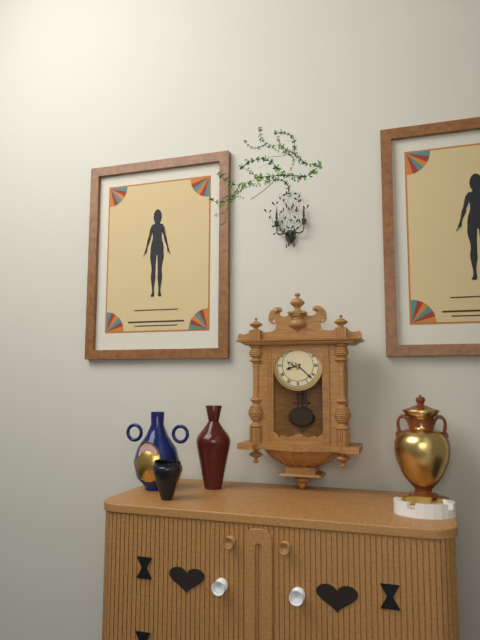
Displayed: 8h22
